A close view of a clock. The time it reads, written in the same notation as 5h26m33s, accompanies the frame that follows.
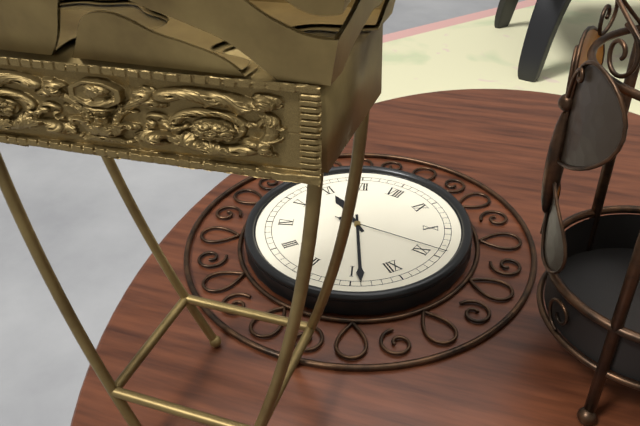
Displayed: 6h04m54s
